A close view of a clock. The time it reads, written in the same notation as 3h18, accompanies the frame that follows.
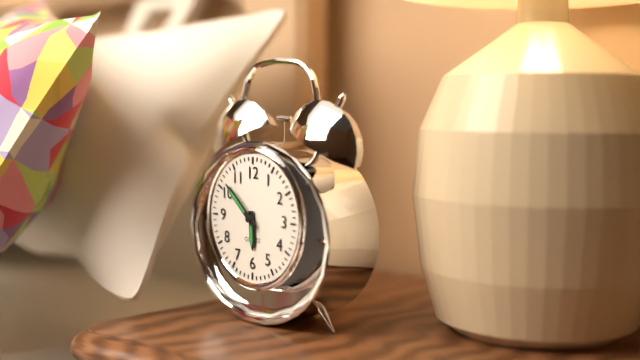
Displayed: 5h52
